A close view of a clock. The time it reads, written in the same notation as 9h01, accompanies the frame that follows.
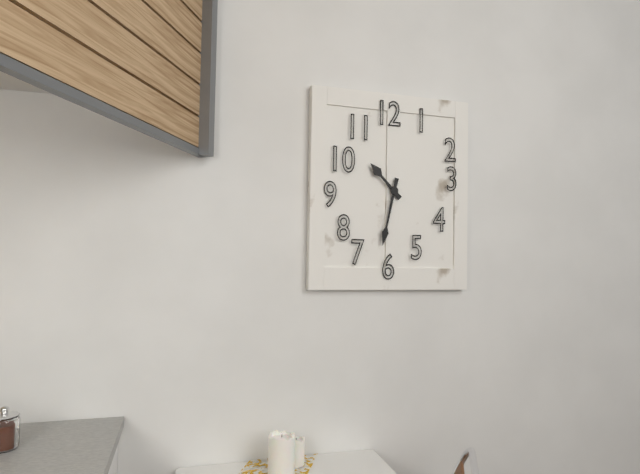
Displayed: 10h32
